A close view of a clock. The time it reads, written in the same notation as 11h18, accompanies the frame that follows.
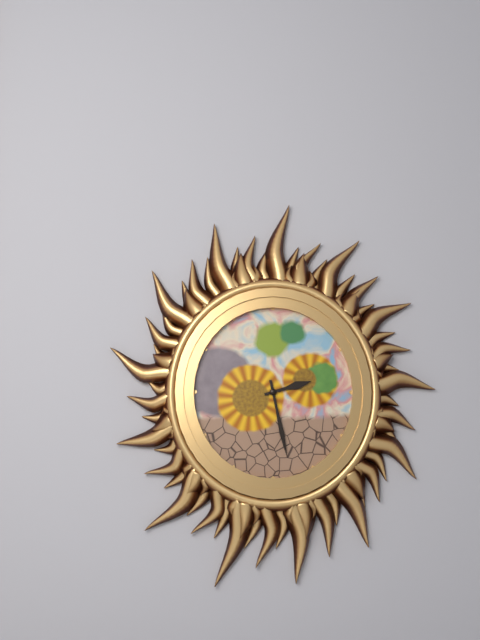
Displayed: 2h28
